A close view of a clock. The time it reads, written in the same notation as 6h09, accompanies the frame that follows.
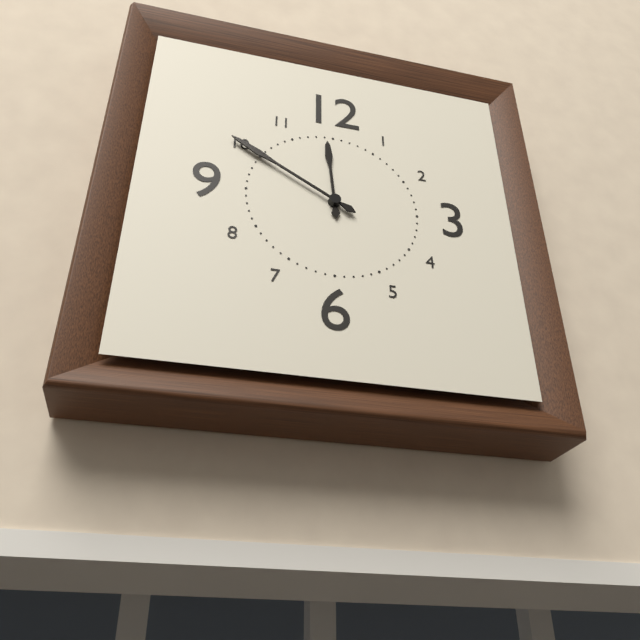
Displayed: 11h50
